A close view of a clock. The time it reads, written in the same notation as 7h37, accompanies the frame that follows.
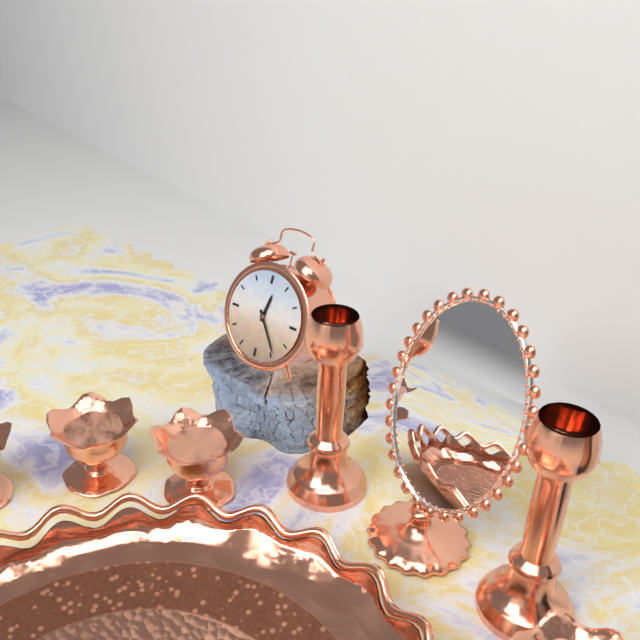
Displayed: 12h24
